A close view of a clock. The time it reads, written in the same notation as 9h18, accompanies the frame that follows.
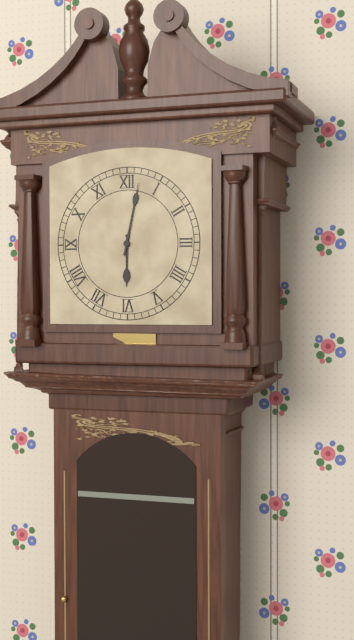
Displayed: 6h02
